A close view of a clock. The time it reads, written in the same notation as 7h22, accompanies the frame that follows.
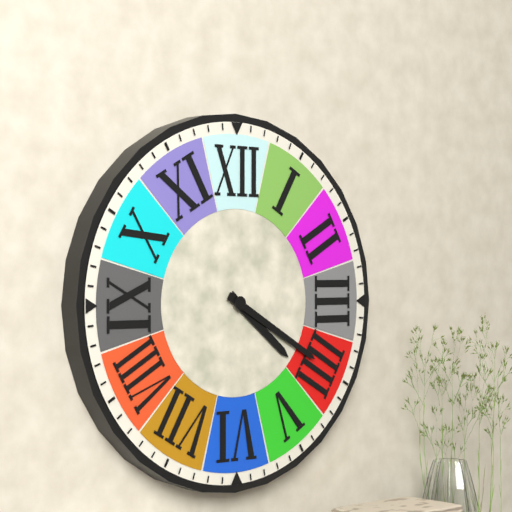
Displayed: 4h20
